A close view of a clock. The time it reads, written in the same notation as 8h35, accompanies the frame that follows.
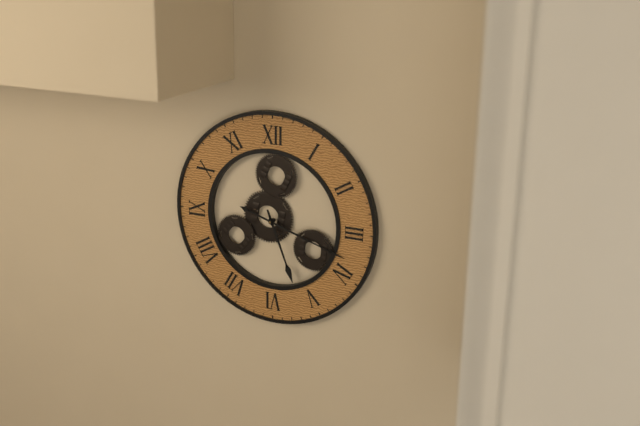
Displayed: 5h18
